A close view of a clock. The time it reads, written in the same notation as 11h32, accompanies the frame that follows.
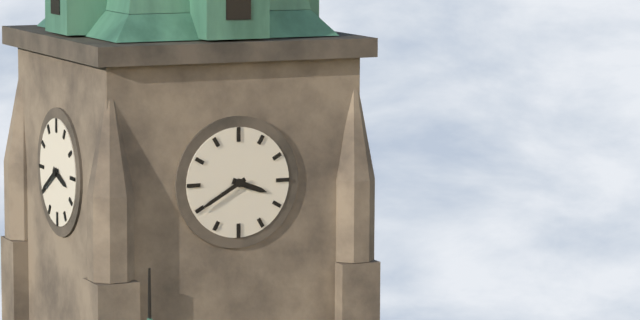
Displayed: 3h40
